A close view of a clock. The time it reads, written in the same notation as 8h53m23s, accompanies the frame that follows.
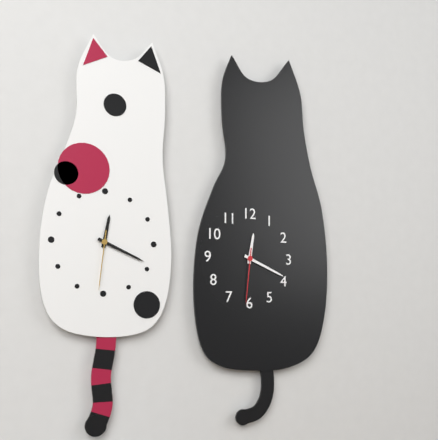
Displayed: 12h19m31s
